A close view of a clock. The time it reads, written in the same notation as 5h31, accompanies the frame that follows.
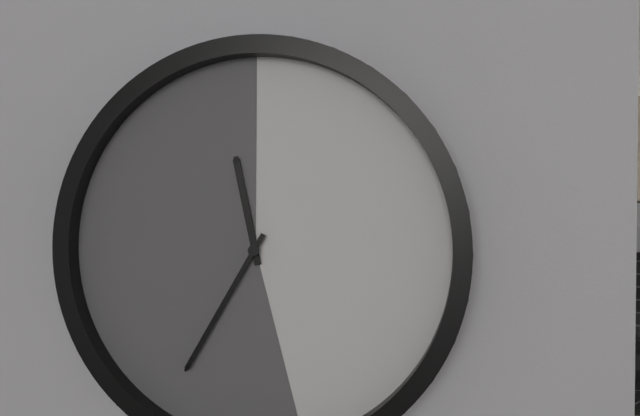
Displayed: 11h35
